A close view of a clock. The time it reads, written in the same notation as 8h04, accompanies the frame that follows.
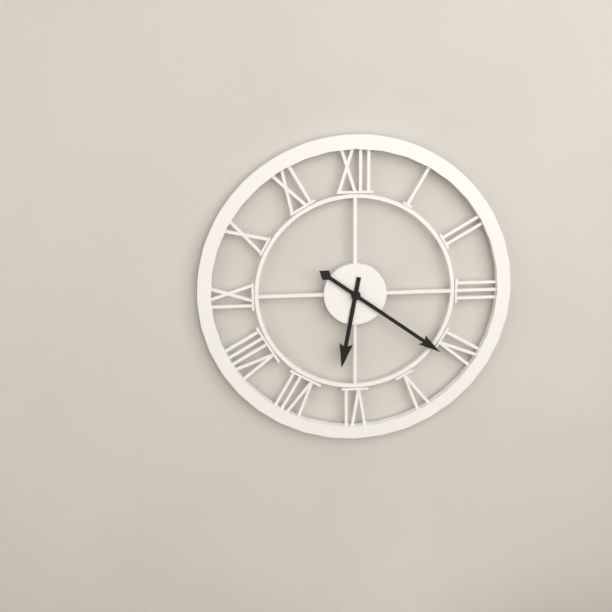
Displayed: 6h21
